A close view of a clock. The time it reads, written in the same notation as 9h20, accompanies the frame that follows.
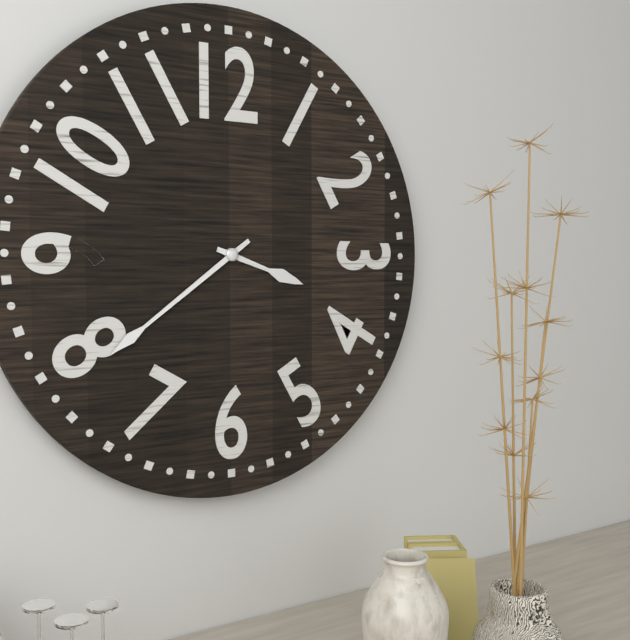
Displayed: 3h39
